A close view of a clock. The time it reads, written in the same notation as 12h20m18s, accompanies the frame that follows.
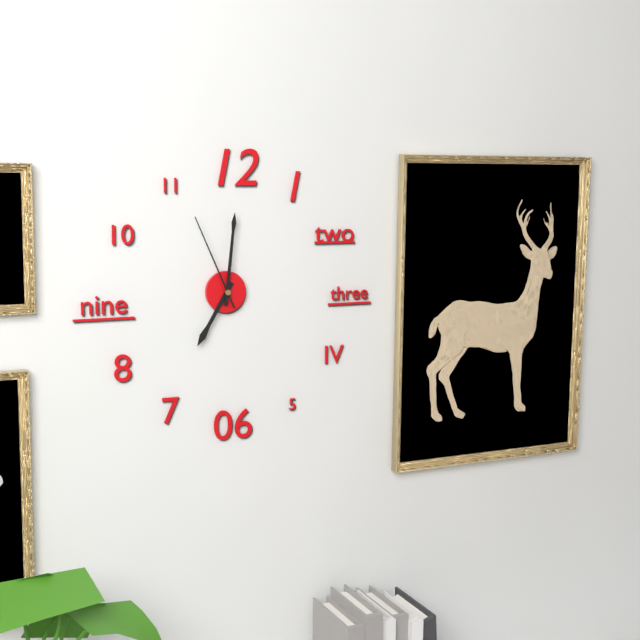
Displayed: 7h01m56s
